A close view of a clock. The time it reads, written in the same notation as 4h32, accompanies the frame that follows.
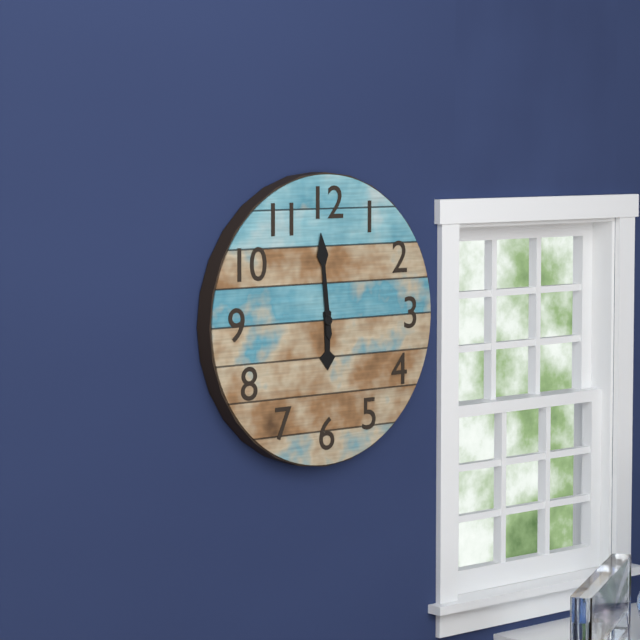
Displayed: 5h59
